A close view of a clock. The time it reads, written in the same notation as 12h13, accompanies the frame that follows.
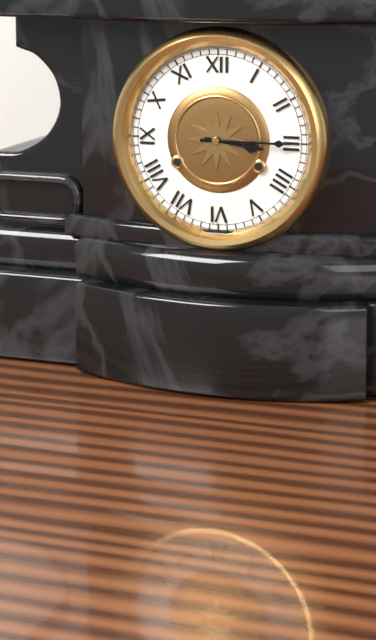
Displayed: 3h15
